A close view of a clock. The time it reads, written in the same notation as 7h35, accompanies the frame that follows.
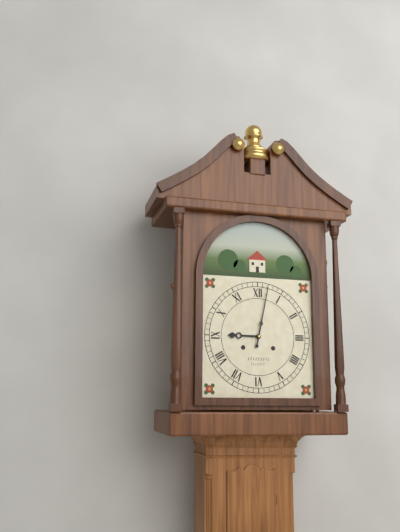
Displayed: 9h02
